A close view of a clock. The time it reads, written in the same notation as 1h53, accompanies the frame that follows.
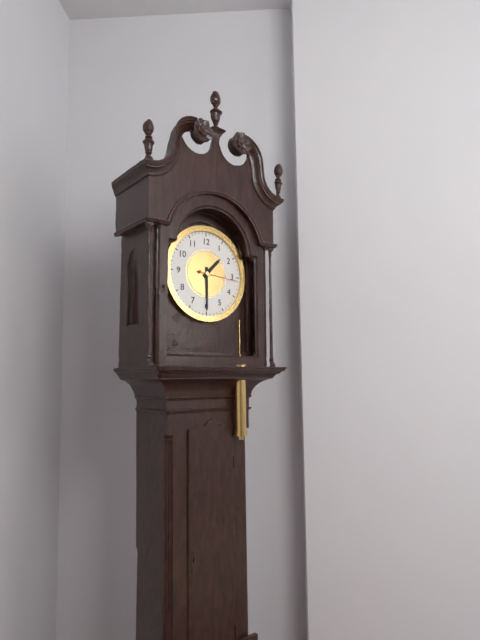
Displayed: 1h30
